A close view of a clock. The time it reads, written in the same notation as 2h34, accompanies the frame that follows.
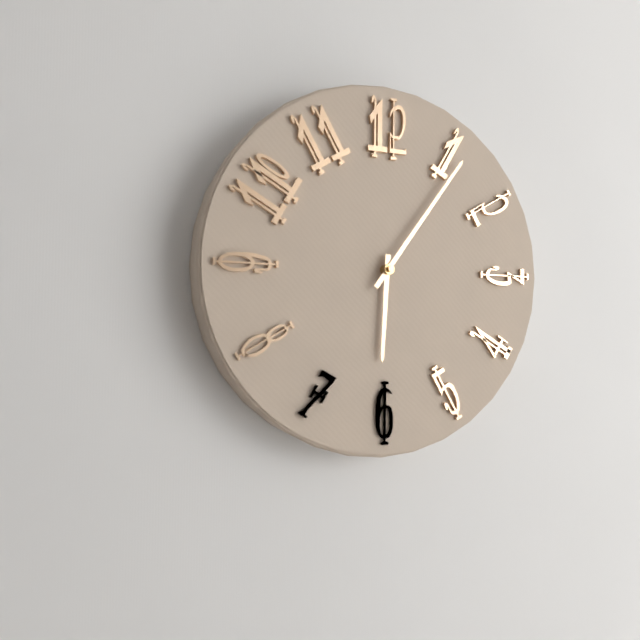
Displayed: 6h06
